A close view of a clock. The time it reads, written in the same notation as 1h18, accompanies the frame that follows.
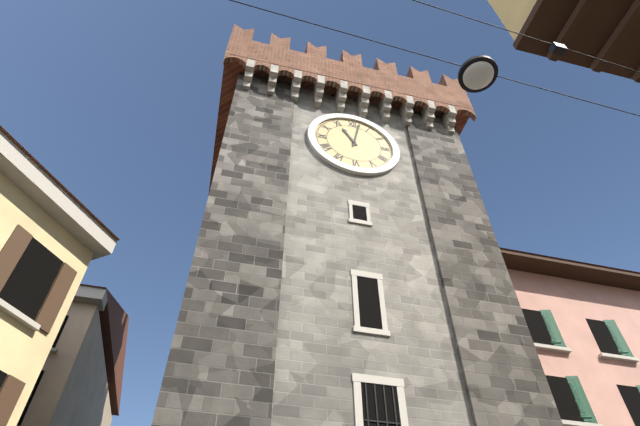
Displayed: 11h02
